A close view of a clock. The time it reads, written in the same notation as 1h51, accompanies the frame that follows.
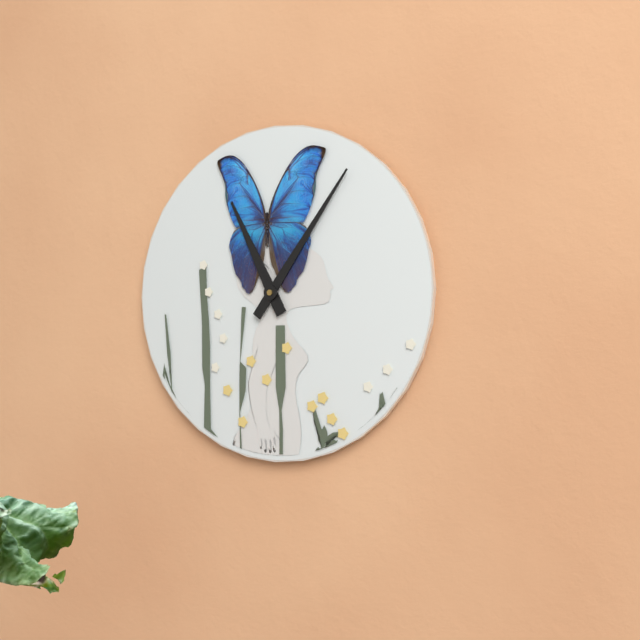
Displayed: 11h06
